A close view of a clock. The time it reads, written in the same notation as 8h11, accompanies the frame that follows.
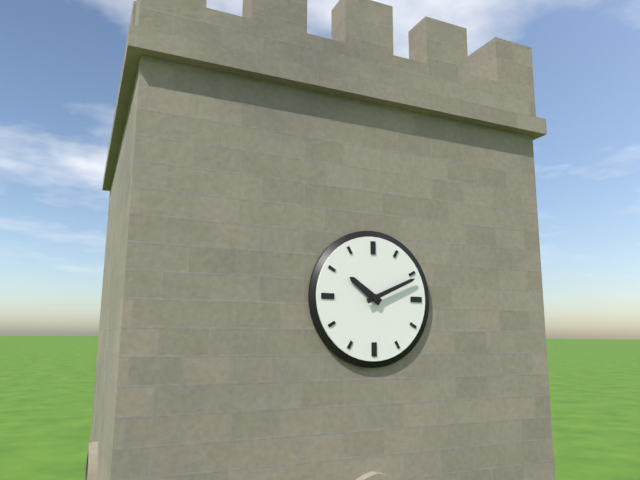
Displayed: 10h11
